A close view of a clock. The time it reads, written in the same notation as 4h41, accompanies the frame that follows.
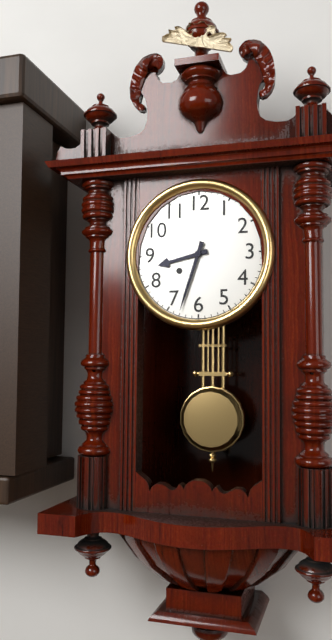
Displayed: 8h33
